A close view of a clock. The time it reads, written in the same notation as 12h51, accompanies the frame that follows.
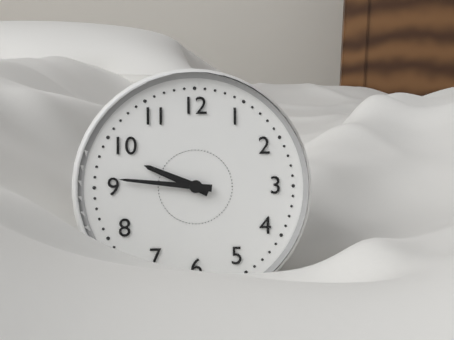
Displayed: 9h46
